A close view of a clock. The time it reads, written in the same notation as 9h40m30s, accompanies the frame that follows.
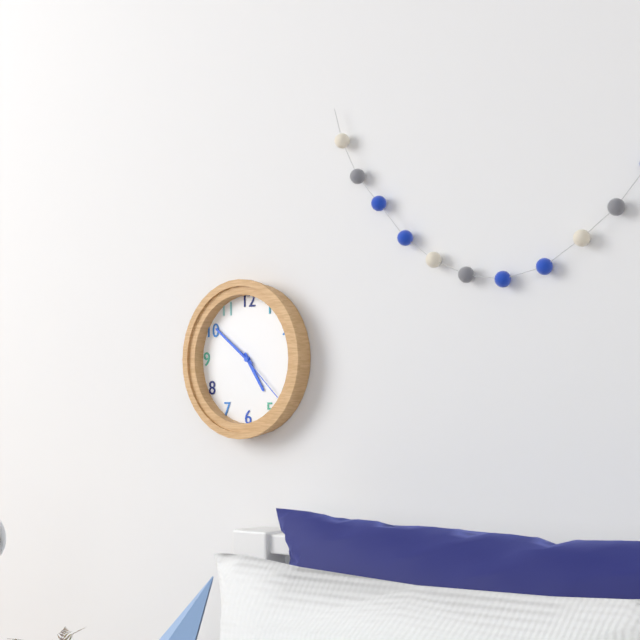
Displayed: 4h51m22s
